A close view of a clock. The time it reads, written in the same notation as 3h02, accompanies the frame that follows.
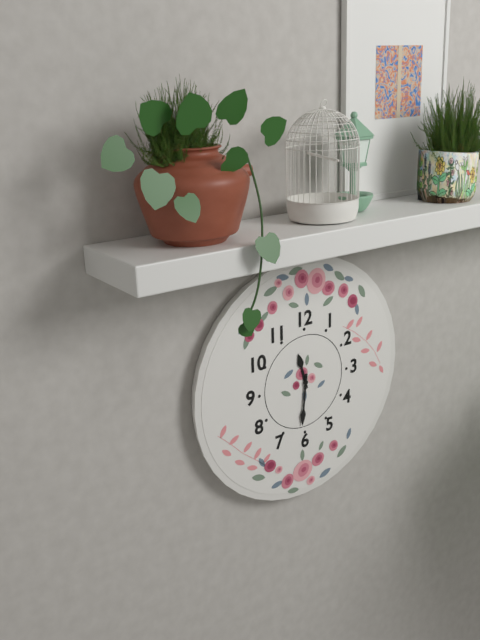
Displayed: 11h31
